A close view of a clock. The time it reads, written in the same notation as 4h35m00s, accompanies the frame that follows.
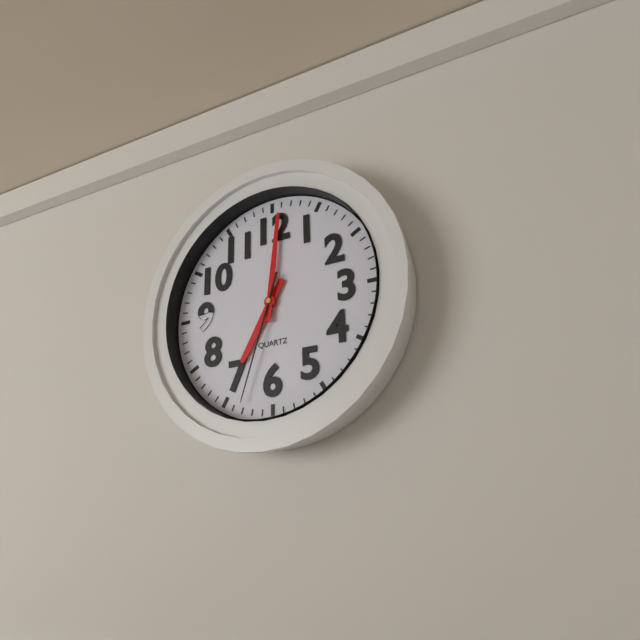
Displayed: 7h01m33s
